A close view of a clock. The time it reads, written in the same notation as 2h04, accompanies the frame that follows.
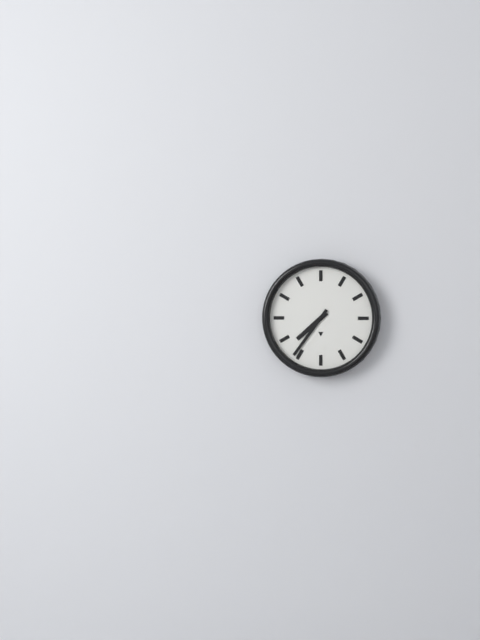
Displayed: 7h36
